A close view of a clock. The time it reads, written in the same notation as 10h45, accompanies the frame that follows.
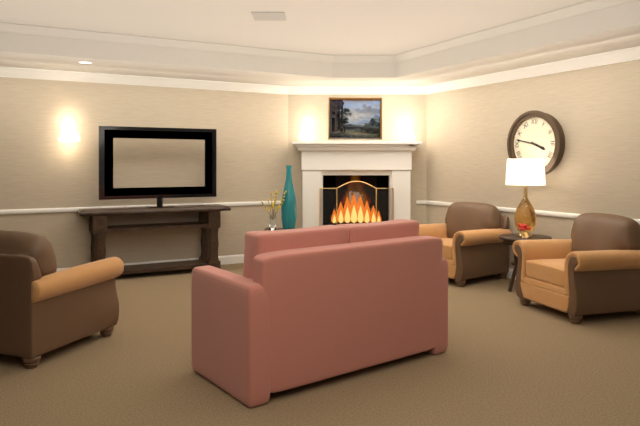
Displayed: 3h47
